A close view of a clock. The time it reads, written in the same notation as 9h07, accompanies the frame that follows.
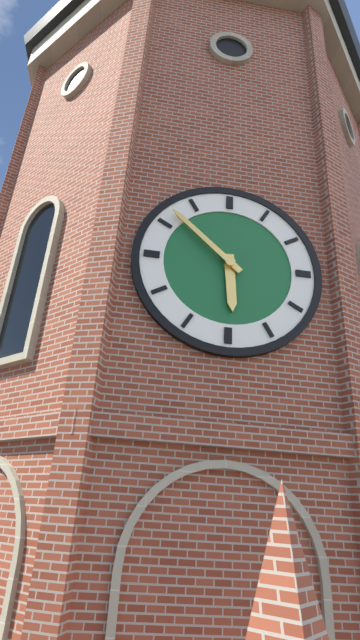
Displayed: 5h52
